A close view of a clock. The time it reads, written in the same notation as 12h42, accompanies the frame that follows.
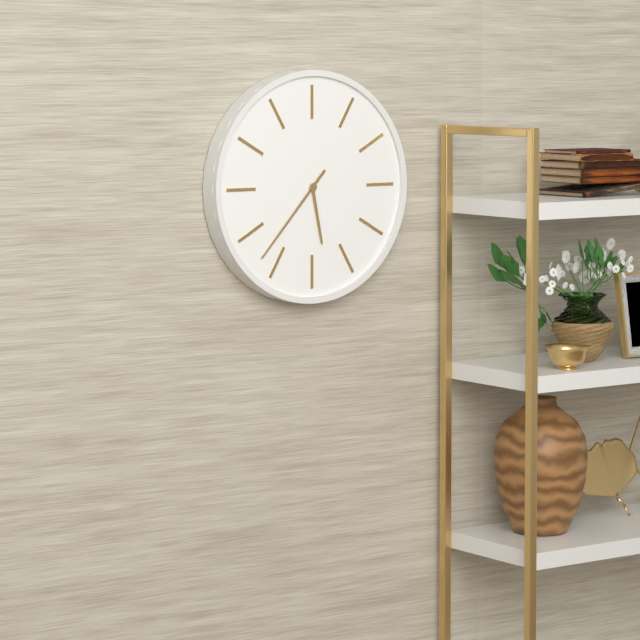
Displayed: 5h37
